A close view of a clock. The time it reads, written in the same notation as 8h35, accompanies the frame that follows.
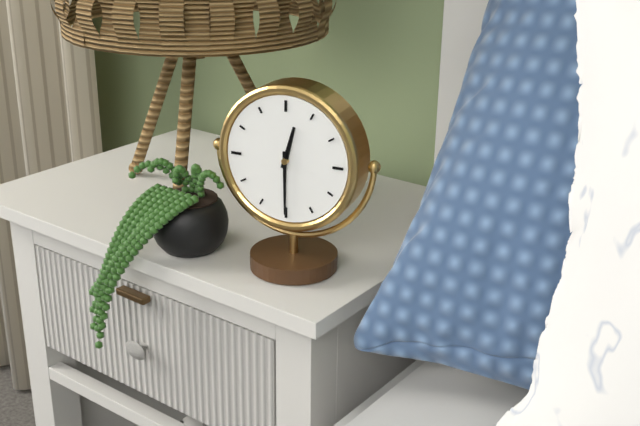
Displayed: 12h30
